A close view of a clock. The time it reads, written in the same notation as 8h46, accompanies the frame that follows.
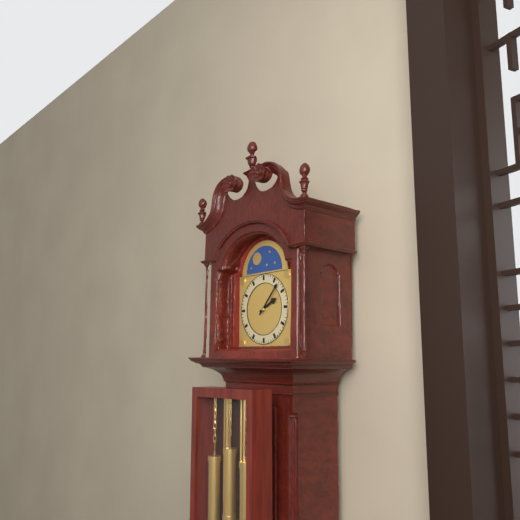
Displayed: 2h07
